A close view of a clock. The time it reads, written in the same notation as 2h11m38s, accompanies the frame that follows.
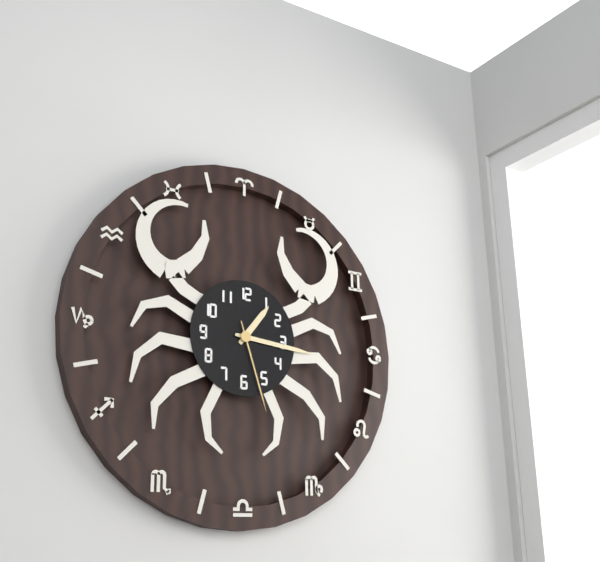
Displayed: 1h16m27s
